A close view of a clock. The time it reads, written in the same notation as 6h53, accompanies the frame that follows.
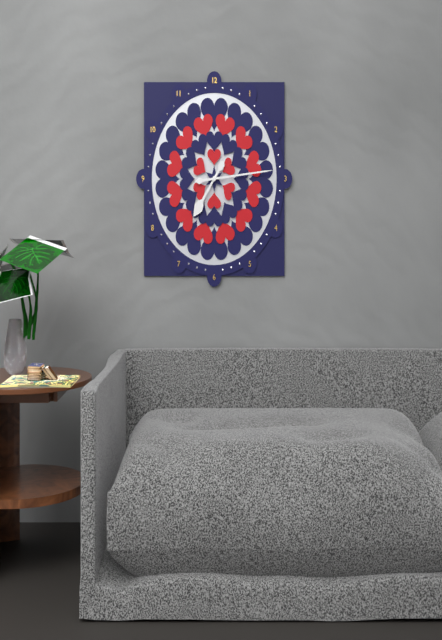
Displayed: 7h14
